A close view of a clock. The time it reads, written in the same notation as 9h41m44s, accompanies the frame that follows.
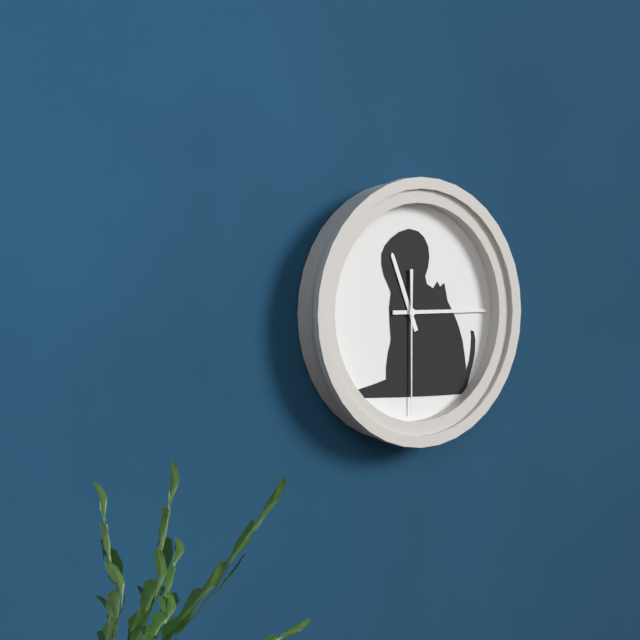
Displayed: 11h15m30s
